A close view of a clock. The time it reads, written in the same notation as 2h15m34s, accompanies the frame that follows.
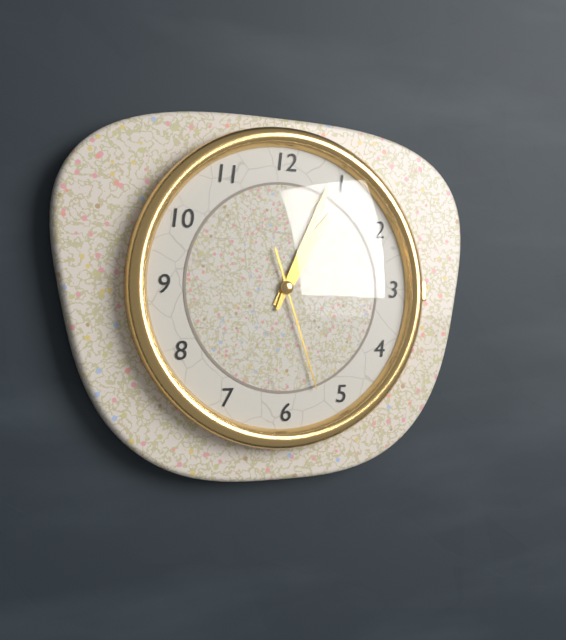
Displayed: 1h04m27s
